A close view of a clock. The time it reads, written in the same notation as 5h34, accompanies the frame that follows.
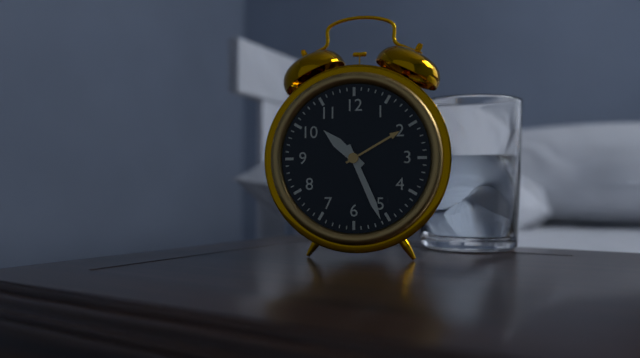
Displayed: 10h26
